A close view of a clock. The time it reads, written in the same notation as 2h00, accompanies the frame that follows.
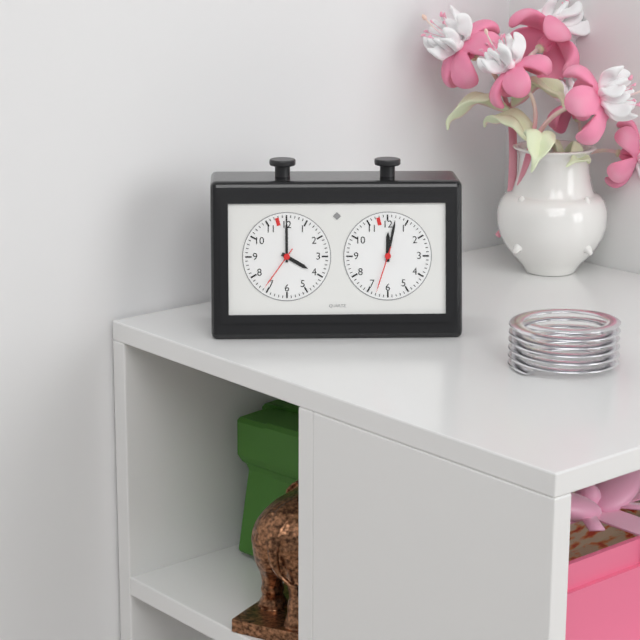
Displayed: 4h00
